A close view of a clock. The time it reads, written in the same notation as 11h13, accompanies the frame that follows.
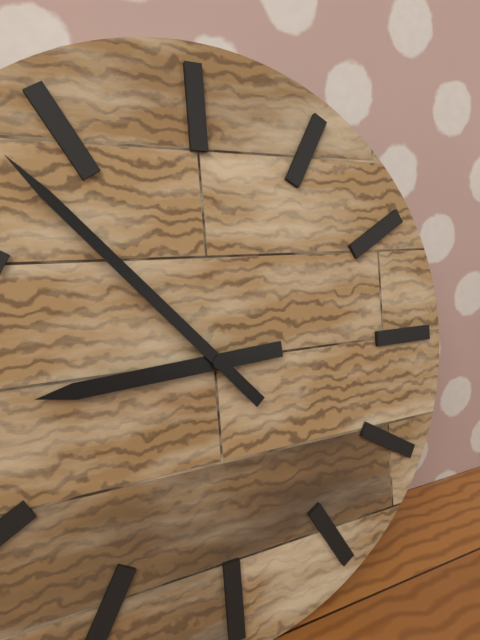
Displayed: 8h53
